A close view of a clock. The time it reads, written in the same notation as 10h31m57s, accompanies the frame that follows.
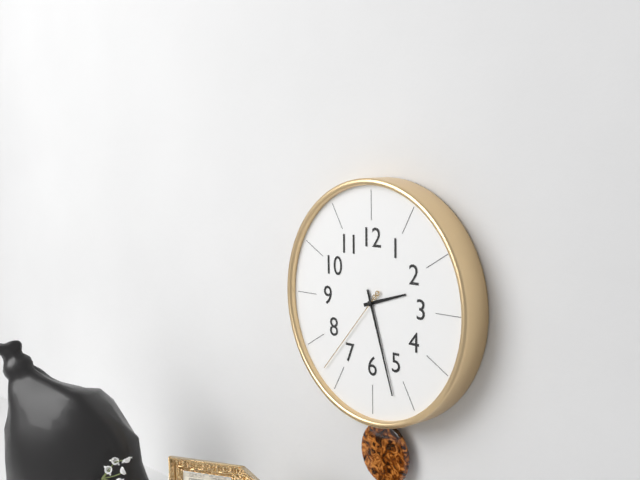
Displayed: 2h27m37s
